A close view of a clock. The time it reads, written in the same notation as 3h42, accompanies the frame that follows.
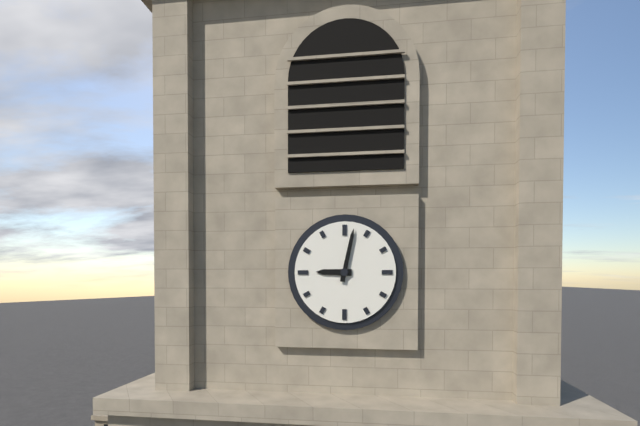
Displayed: 9h02
